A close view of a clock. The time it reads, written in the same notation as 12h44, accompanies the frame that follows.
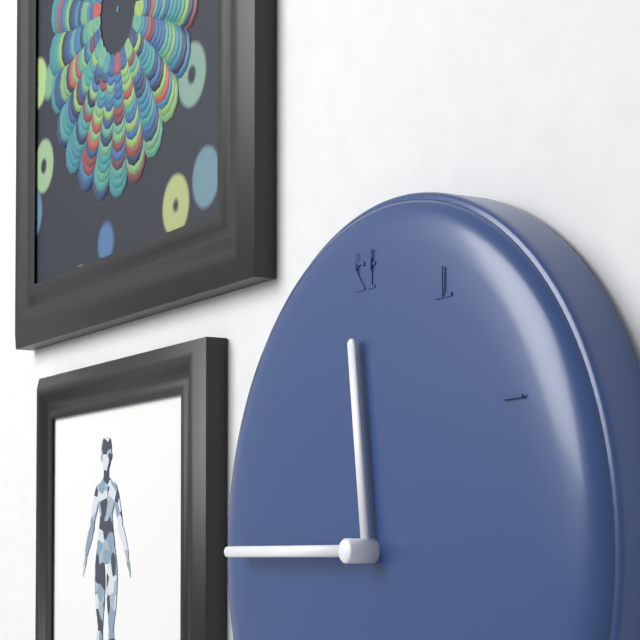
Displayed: 11h45
